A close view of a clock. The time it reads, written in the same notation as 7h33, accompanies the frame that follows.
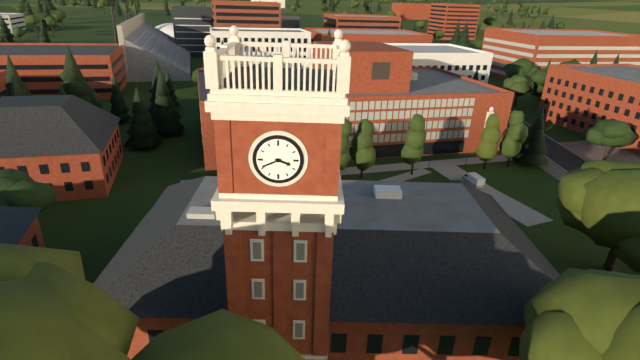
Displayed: 3h41
